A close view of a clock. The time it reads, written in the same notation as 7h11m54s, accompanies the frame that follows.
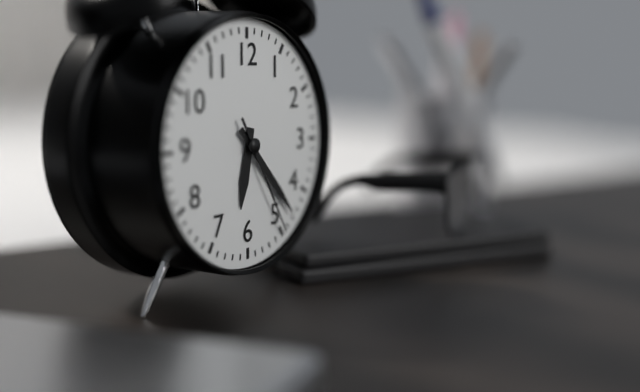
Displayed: 6h23m25s
